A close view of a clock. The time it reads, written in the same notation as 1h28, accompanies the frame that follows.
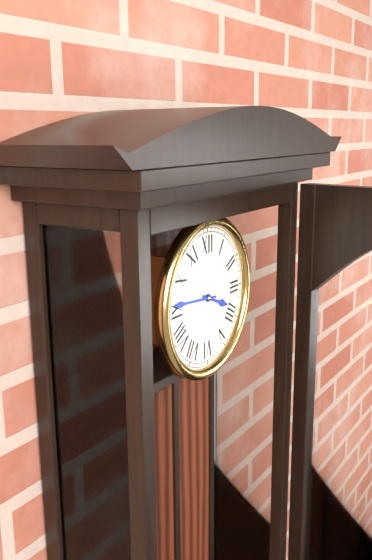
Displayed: 3h46
